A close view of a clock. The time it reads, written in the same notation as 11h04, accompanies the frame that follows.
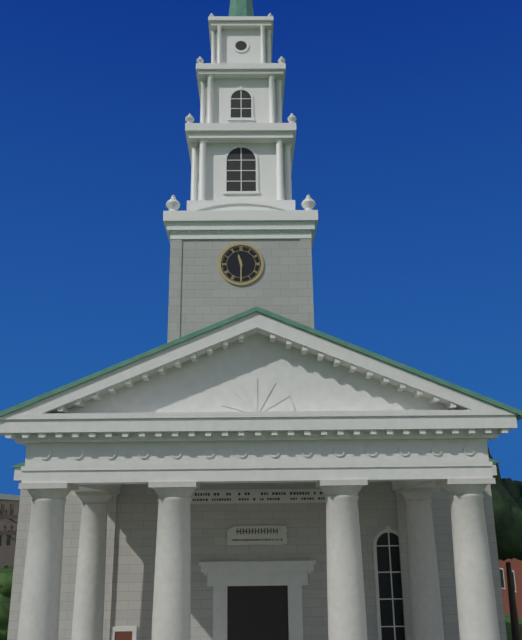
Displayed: 11h30
